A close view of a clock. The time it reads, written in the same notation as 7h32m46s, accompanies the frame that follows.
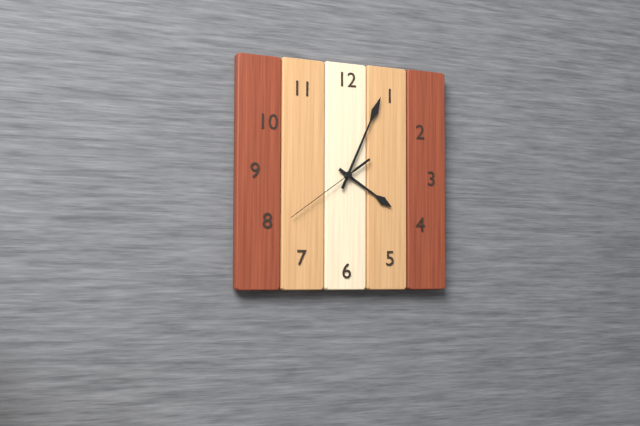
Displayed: 4h04m39s
